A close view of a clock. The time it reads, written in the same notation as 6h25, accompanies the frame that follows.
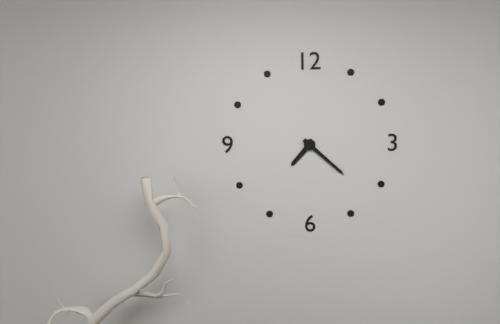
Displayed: 7h22
